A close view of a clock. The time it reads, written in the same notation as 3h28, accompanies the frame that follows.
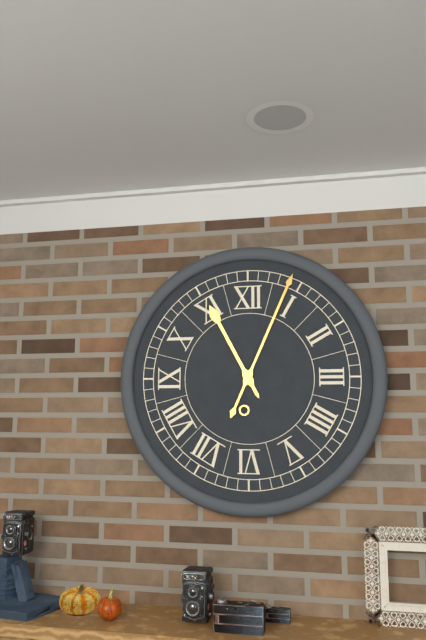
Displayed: 11h04
